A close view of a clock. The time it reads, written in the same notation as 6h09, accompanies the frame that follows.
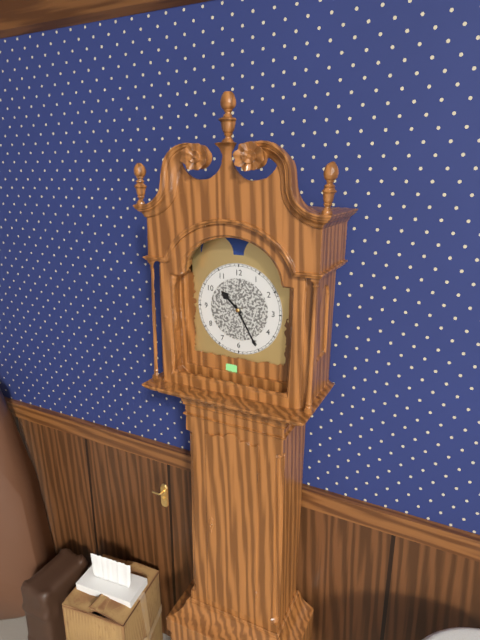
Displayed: 10h25
